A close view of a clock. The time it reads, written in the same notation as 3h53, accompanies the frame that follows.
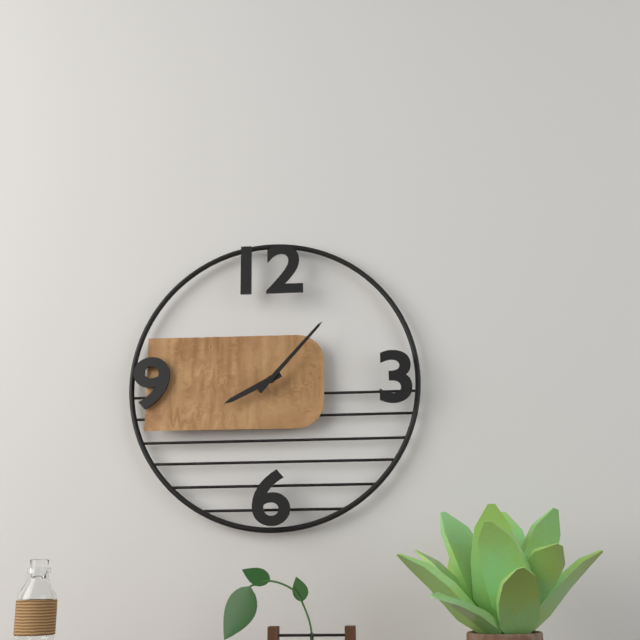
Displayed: 8h07
